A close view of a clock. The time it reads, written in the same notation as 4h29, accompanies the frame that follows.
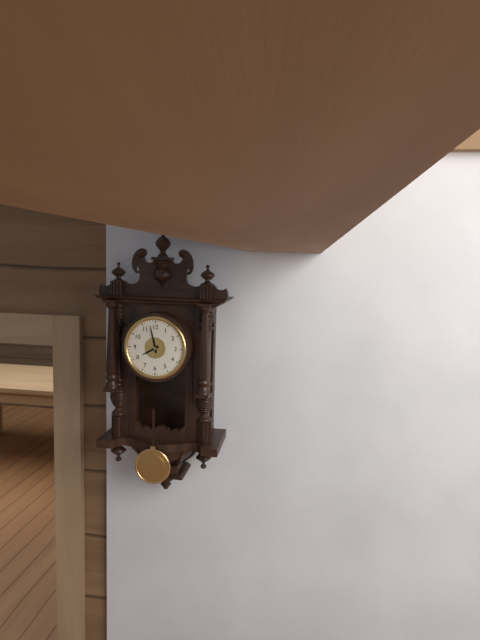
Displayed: 7h58
